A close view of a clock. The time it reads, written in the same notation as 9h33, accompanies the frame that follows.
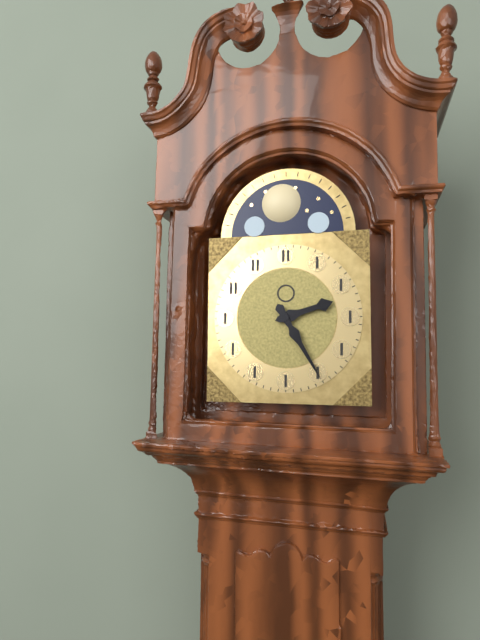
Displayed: 2h25
